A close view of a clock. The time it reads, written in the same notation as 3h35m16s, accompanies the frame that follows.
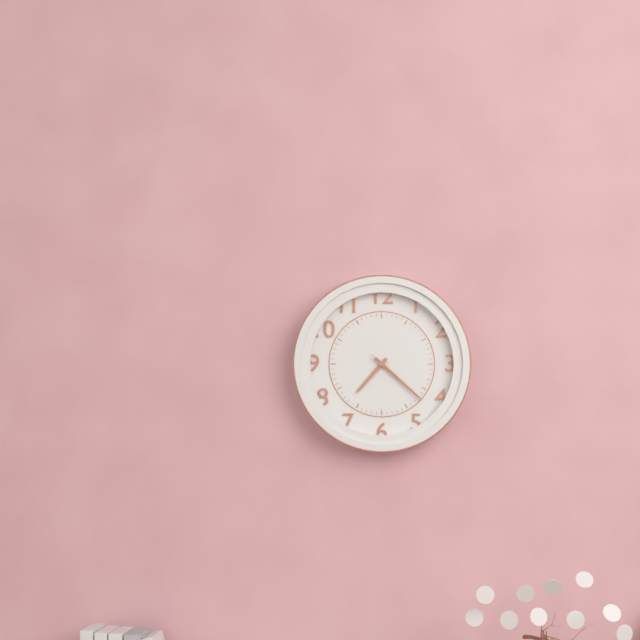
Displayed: 7h22m22s
